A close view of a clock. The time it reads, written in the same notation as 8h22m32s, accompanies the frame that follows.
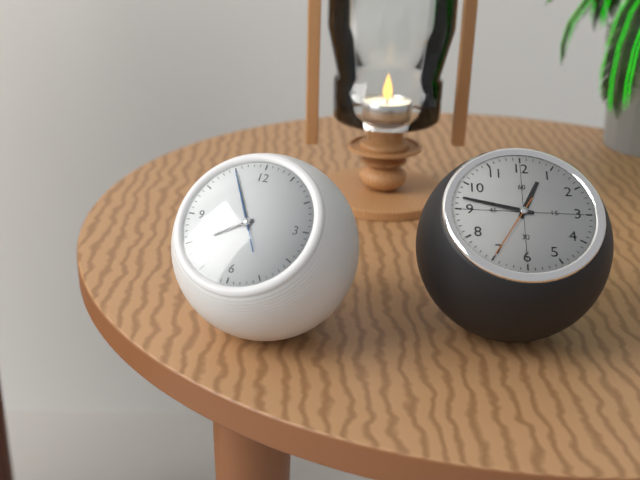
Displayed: 7h55m55s
